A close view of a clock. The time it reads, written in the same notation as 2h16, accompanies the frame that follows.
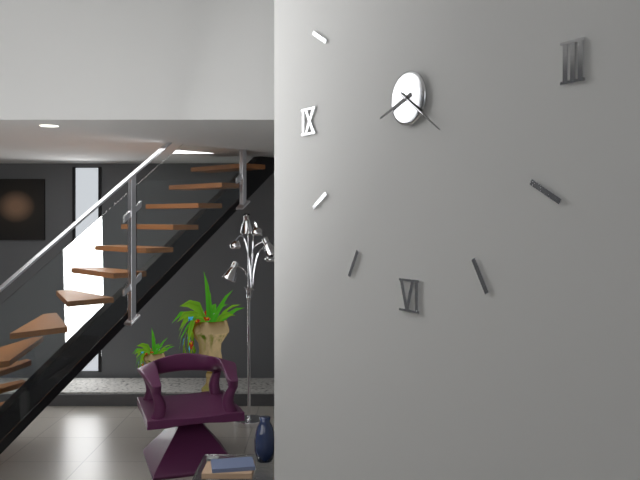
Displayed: 8h21
